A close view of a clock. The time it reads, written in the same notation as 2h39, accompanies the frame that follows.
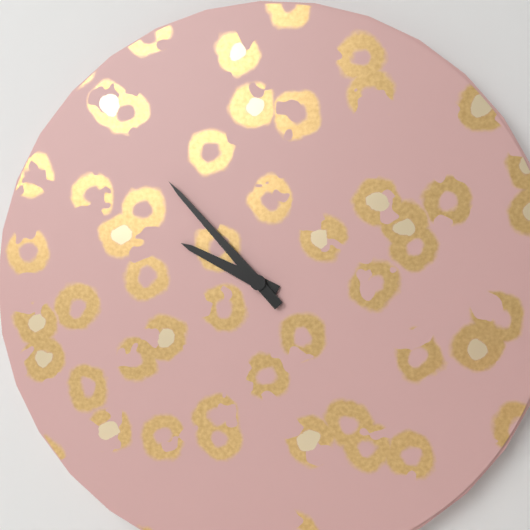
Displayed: 9h53
